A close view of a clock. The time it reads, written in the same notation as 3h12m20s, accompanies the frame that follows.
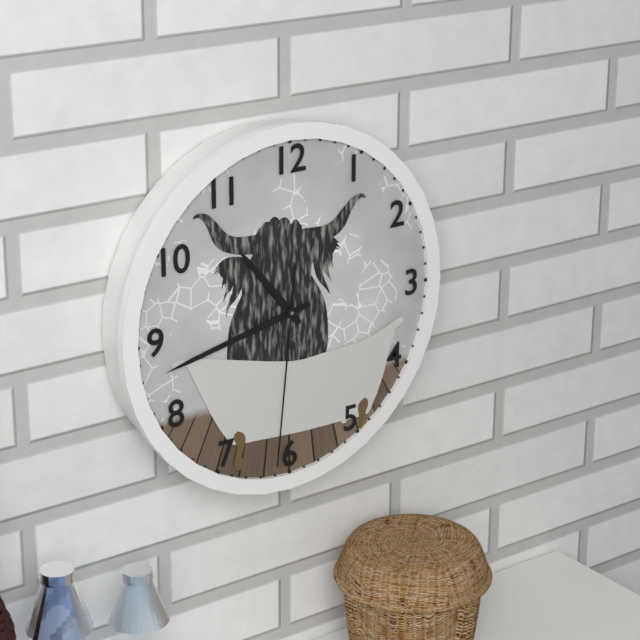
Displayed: 10h43m31s
